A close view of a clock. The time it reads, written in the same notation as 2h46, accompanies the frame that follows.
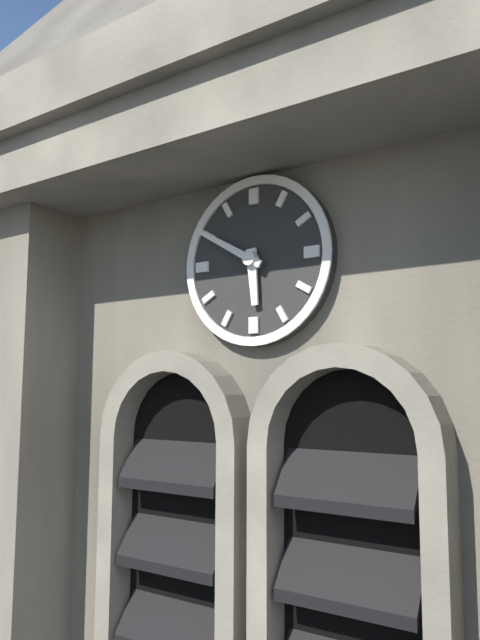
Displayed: 5h50
